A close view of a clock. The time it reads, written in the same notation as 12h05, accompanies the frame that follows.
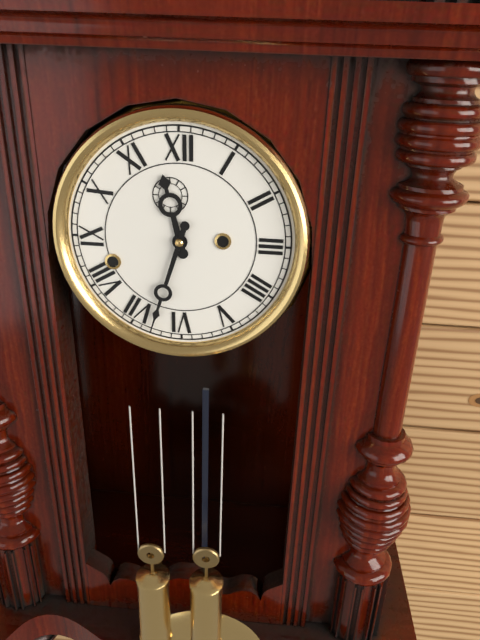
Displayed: 11h33
